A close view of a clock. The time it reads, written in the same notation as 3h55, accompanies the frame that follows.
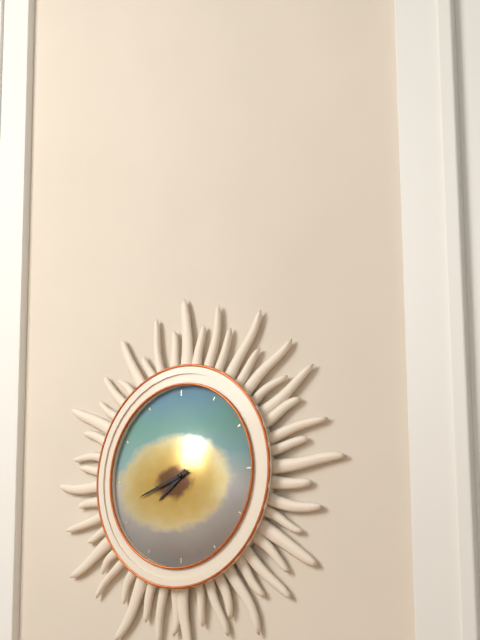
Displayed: 7h42
